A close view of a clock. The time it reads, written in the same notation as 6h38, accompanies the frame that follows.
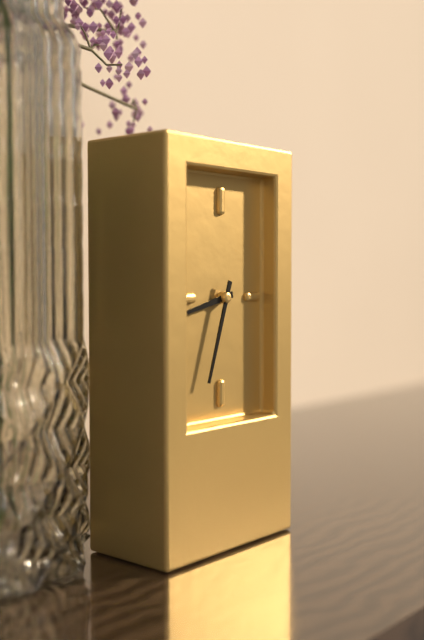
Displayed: 8h33
